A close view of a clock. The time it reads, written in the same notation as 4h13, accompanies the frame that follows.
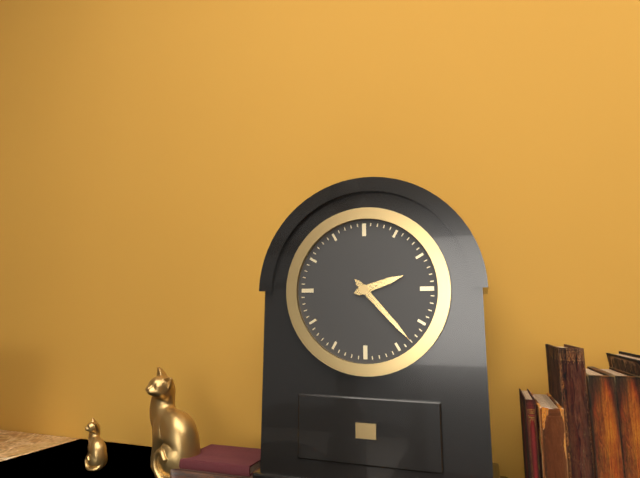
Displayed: 2h23
